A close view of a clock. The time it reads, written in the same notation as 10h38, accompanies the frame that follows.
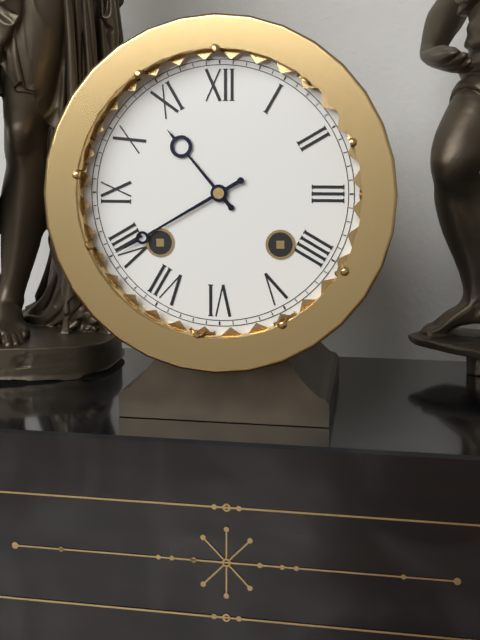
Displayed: 10h40
